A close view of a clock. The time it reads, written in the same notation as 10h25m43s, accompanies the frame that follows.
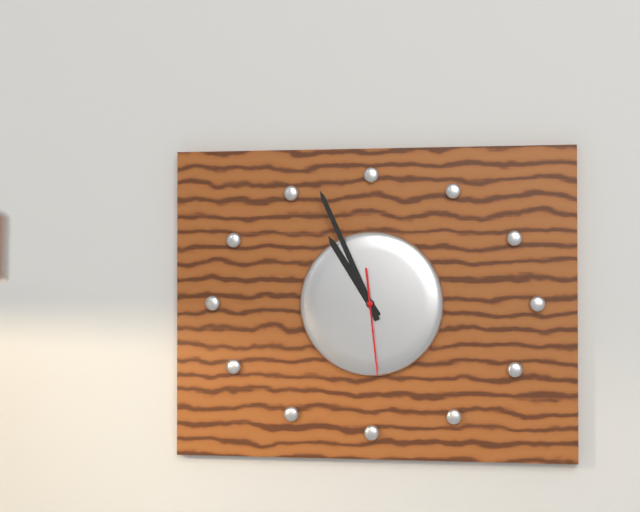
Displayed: 10h56m29s
